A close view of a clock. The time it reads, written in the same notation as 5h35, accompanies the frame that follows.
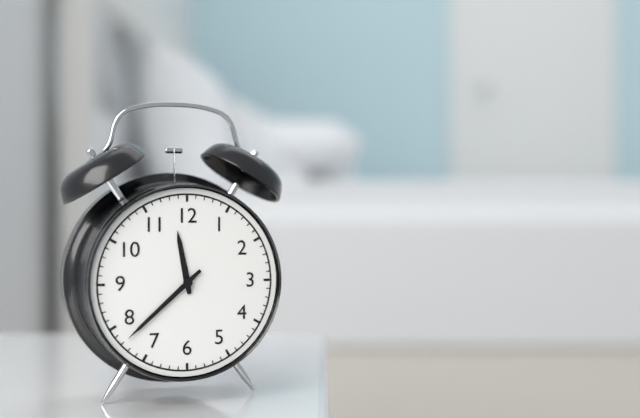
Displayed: 11h38
